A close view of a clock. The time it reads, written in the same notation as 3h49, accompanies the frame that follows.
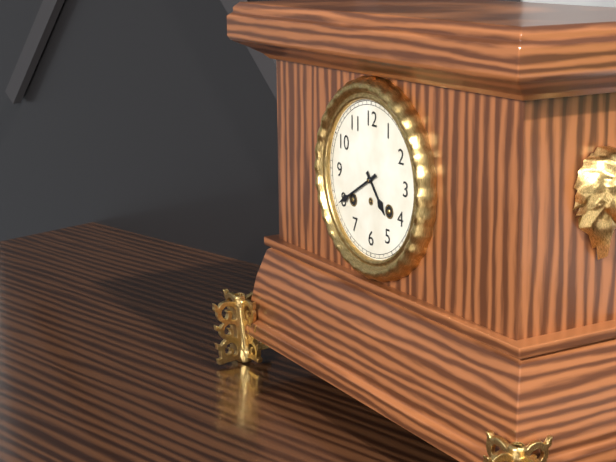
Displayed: 4h40
